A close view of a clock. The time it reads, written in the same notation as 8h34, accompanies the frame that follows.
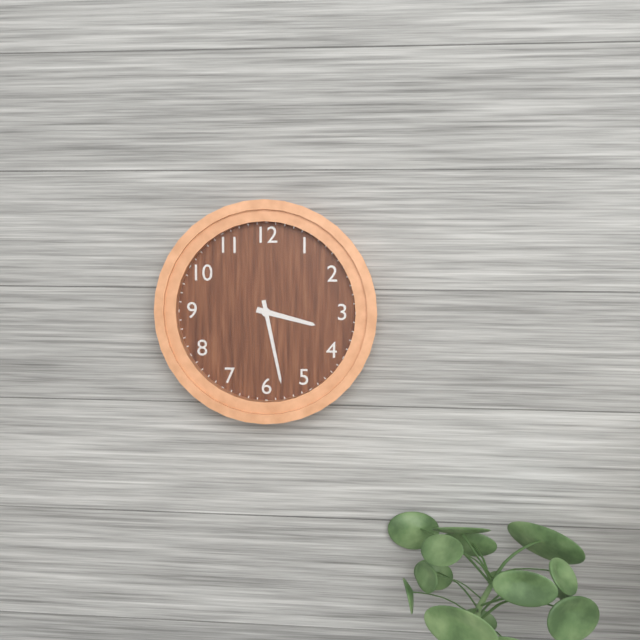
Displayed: 3h28
